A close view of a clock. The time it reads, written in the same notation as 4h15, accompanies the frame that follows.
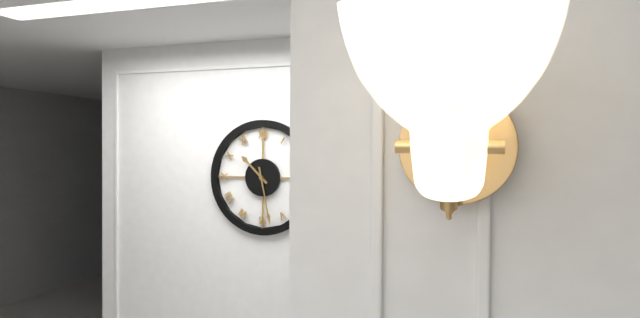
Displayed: 10h28
